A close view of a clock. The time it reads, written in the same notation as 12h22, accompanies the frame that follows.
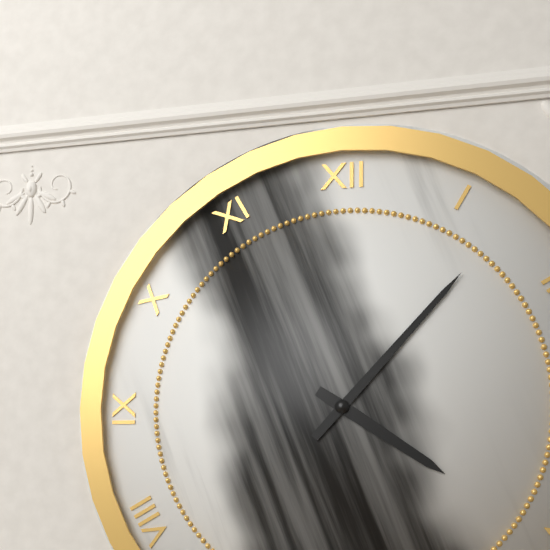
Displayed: 4h07
